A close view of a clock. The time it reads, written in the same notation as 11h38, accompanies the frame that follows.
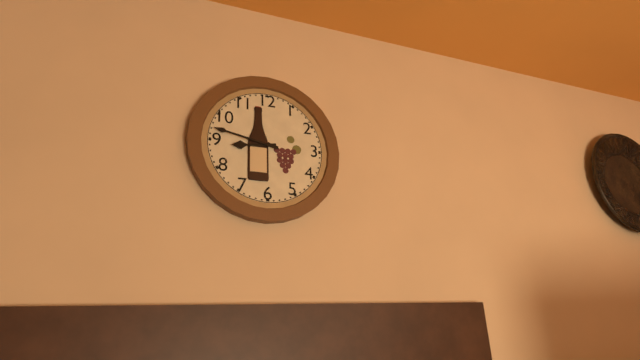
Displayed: 8h47
